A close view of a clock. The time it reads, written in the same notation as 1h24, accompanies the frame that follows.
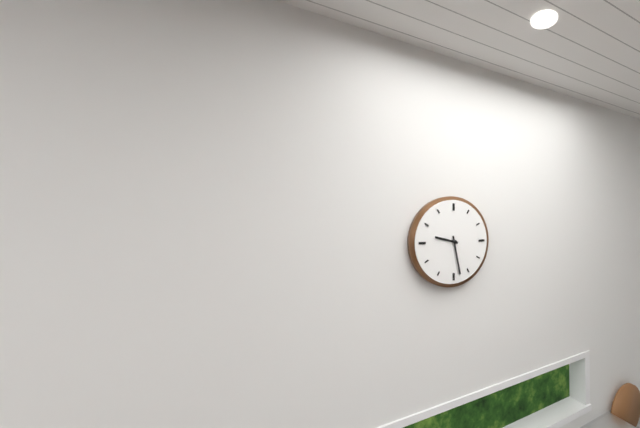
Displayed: 9h28
